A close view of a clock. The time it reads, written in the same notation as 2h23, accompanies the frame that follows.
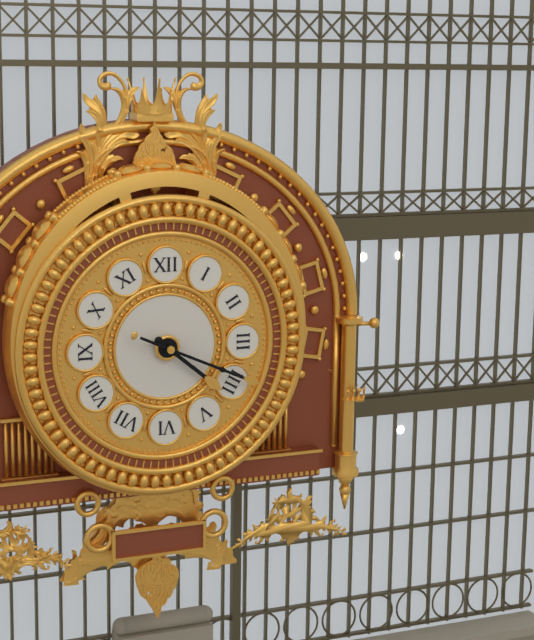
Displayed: 4h19
